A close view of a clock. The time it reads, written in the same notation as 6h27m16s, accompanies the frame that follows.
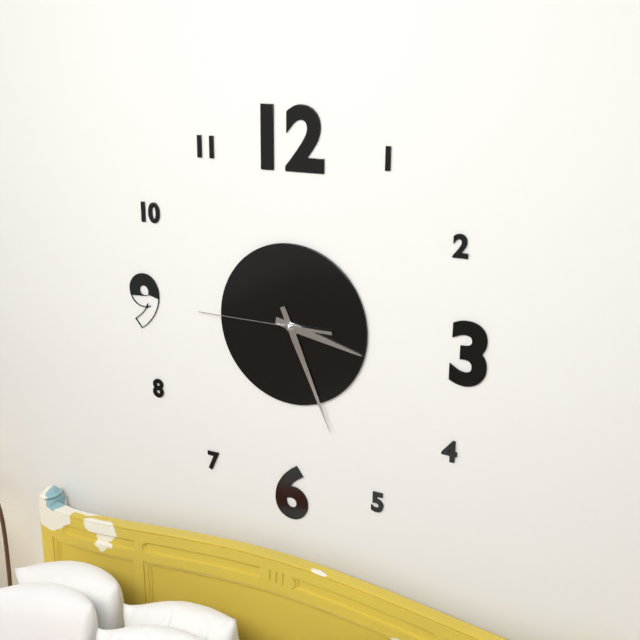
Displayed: 3h26m45s
